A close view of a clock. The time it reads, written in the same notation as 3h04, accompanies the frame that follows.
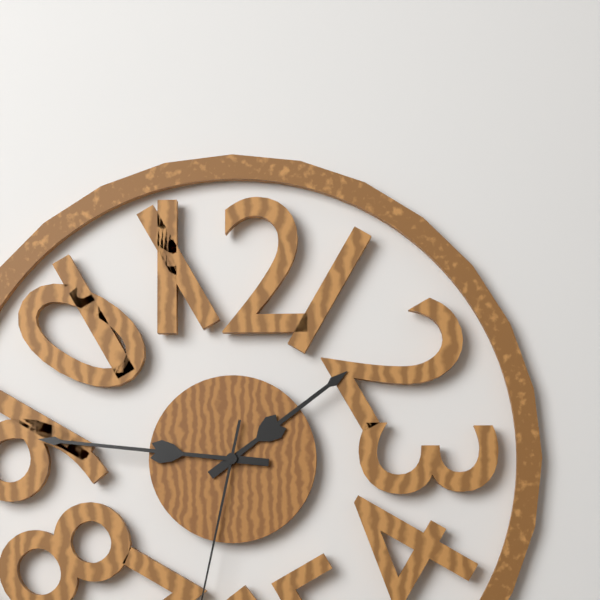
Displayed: 1h46
